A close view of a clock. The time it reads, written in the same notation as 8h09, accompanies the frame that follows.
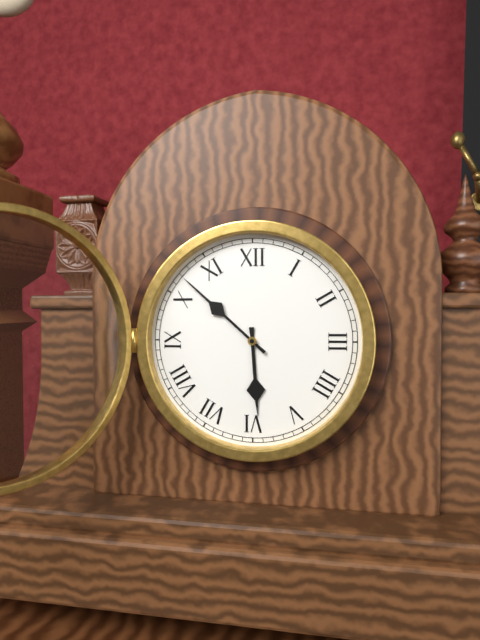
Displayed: 5h52
